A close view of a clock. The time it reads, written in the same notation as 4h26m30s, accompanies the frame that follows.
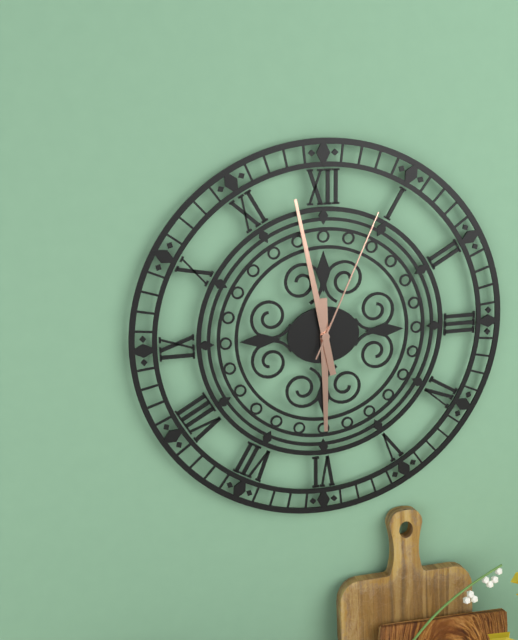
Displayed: 5h58m04s
